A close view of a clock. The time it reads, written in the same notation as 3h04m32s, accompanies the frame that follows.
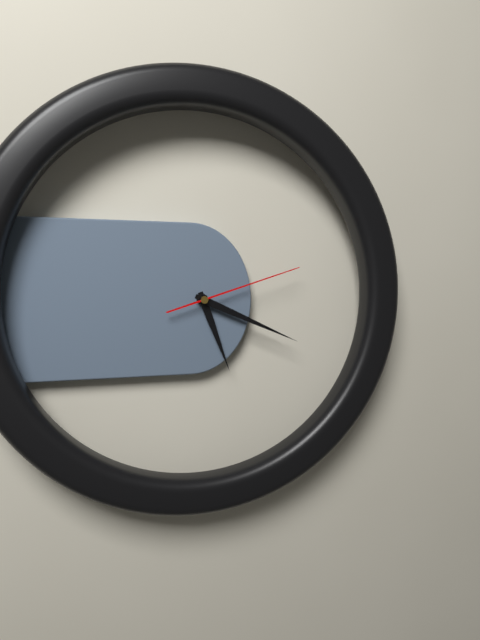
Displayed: 5h19m12s
